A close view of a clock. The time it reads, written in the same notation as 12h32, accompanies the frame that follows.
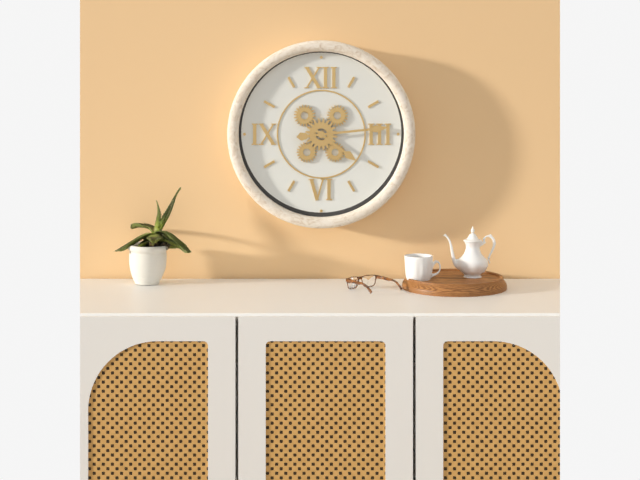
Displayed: 4h14
